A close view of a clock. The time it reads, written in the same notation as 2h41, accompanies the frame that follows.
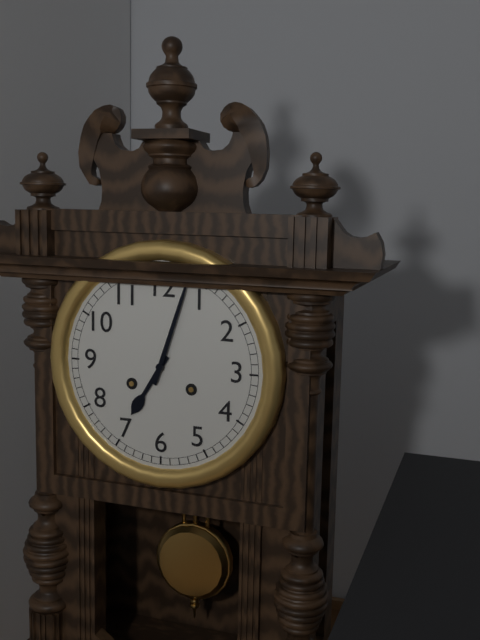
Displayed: 7h03
